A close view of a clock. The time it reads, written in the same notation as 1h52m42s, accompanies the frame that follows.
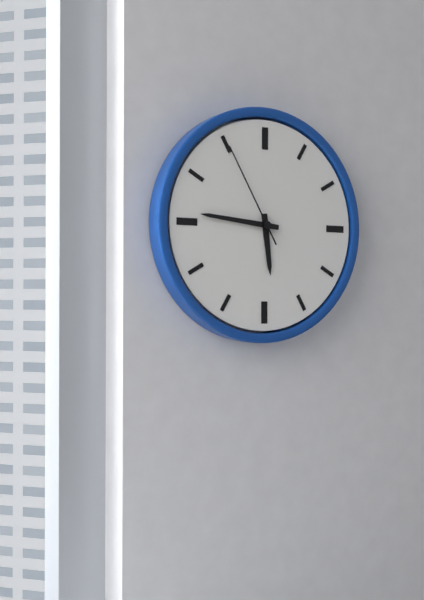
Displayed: 5h46m55s
